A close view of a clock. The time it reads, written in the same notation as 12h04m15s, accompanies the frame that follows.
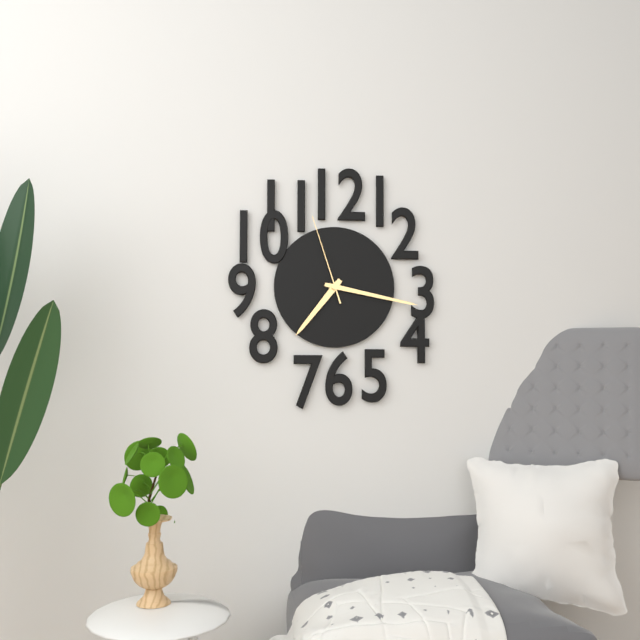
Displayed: 7h17m57s
